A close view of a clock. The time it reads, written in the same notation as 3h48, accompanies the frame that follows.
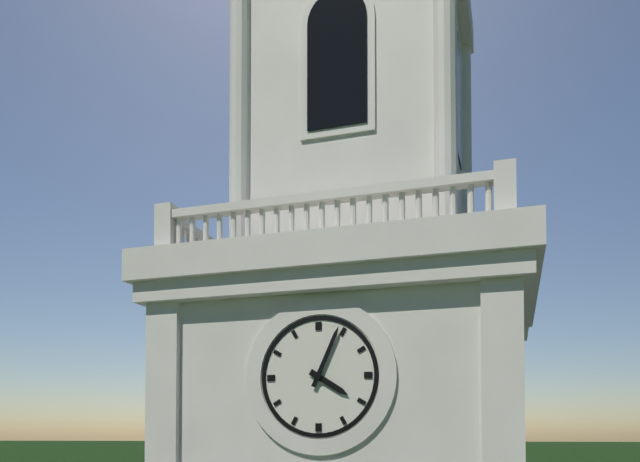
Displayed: 4h04
